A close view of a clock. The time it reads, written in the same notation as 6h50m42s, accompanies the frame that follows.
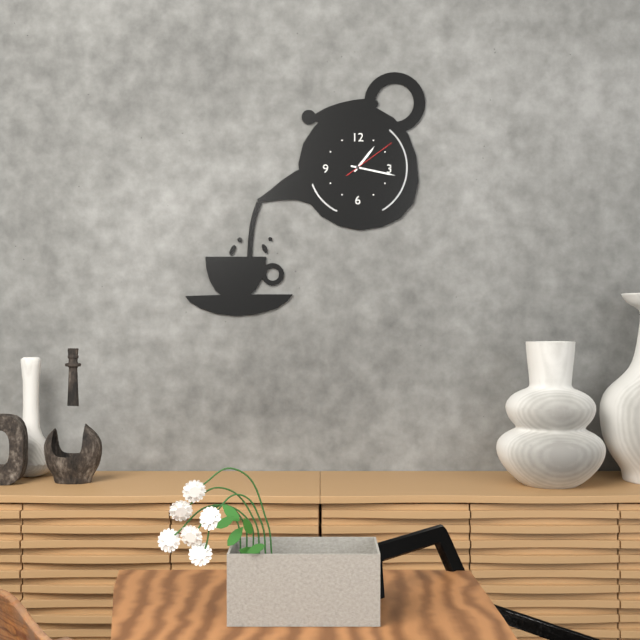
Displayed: 1h17m09s
